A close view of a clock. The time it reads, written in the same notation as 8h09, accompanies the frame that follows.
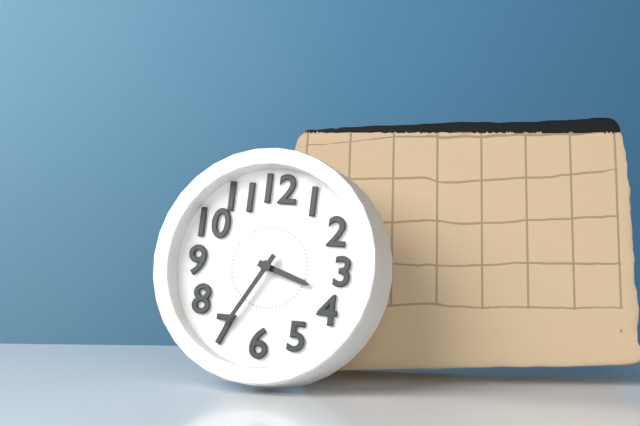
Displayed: 3h35
